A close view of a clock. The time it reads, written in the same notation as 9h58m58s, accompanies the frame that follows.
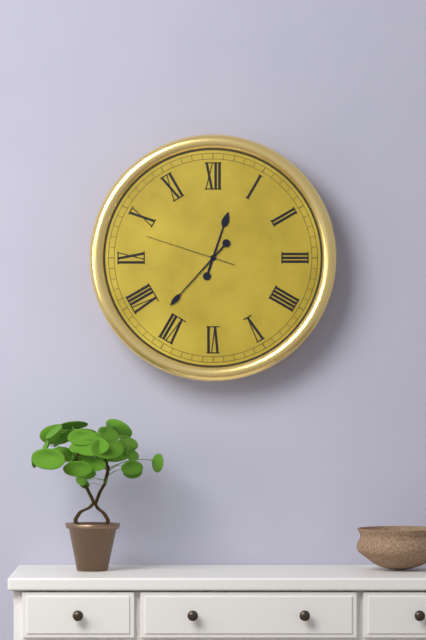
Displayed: 12h37m48s
